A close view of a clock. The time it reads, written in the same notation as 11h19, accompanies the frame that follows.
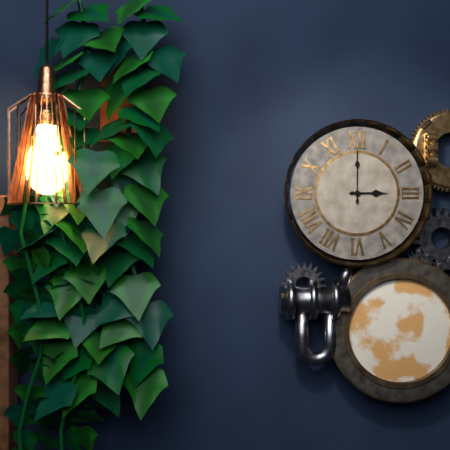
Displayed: 3h00
